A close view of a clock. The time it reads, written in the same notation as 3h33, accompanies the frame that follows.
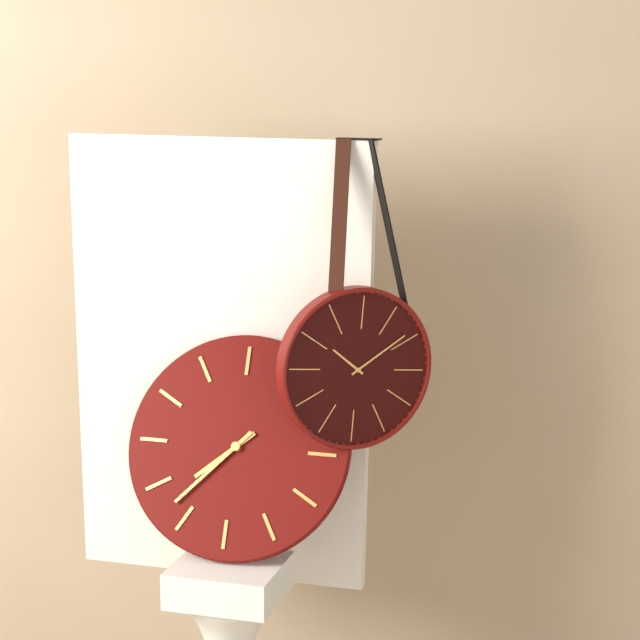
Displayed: 7h37
